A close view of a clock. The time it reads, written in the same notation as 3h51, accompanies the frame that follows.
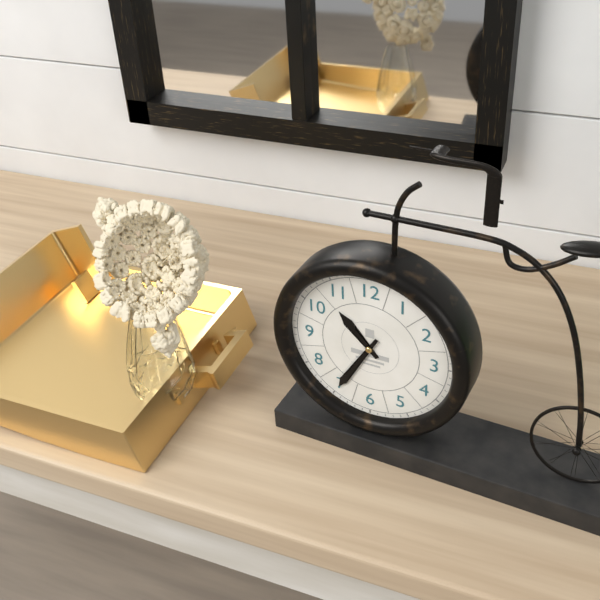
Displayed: 10h35
